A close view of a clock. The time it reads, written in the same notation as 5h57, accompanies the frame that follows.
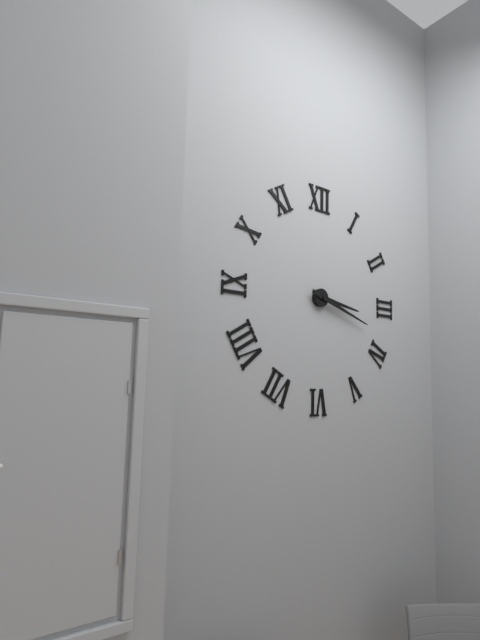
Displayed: 3h18
